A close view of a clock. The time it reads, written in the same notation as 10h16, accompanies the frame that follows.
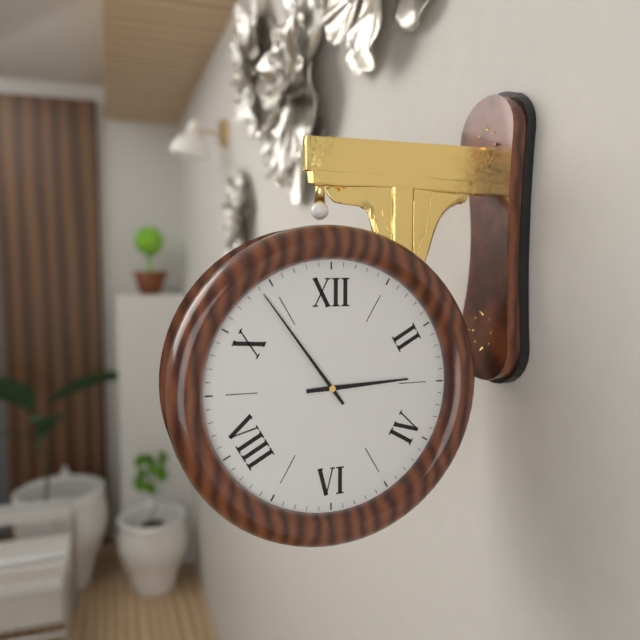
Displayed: 2h54
